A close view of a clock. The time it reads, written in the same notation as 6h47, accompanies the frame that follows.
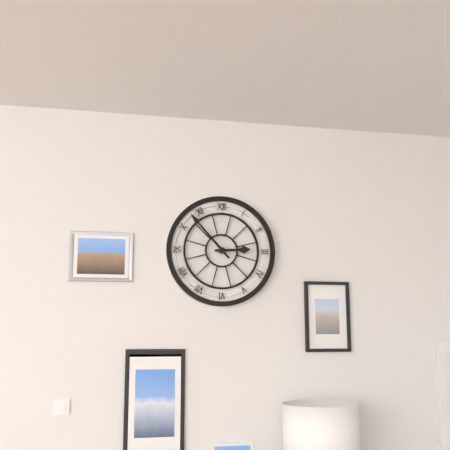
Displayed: 2h53
